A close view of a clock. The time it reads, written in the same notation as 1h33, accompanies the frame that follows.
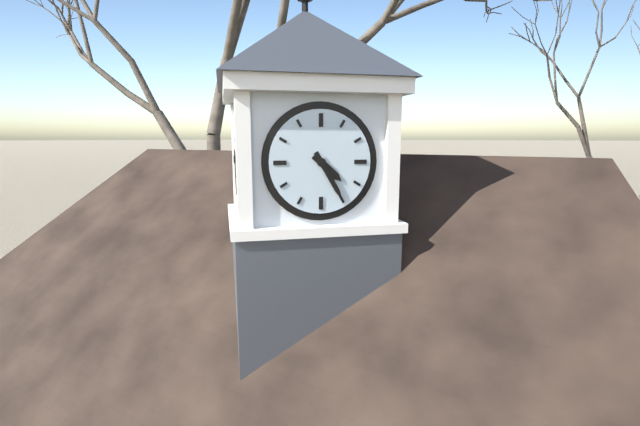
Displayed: 4h25
